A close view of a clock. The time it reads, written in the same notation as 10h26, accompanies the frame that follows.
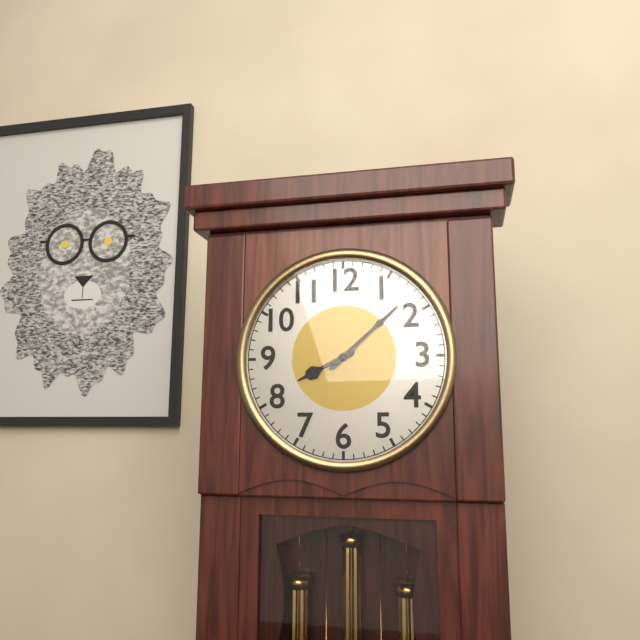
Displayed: 8h08
